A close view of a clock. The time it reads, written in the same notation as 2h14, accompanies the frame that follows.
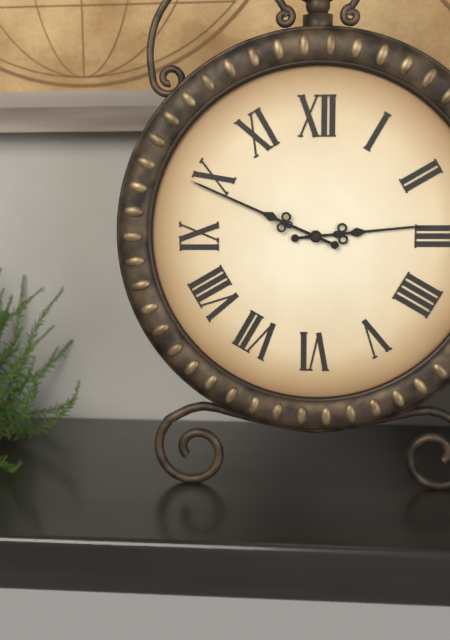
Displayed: 2h49
